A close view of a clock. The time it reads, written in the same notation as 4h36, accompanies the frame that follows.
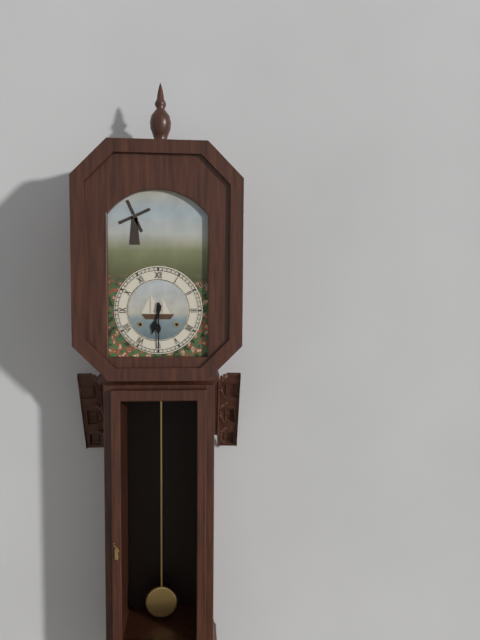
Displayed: 6h30
